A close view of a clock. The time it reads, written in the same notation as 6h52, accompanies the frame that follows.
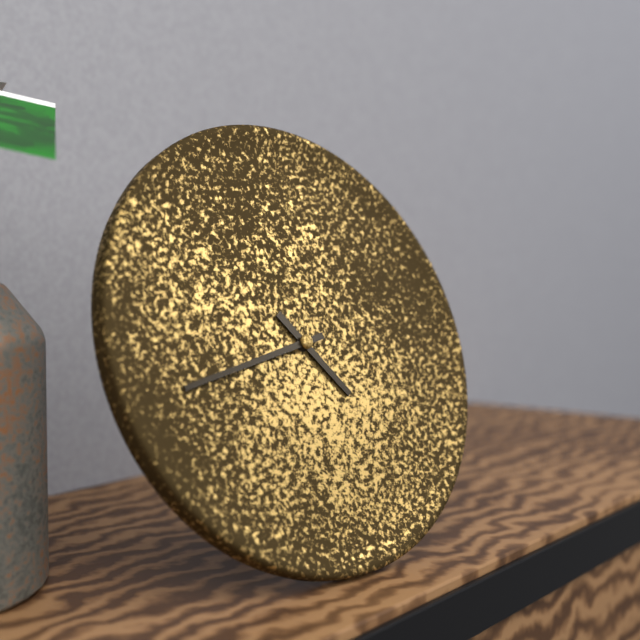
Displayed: 4h43
